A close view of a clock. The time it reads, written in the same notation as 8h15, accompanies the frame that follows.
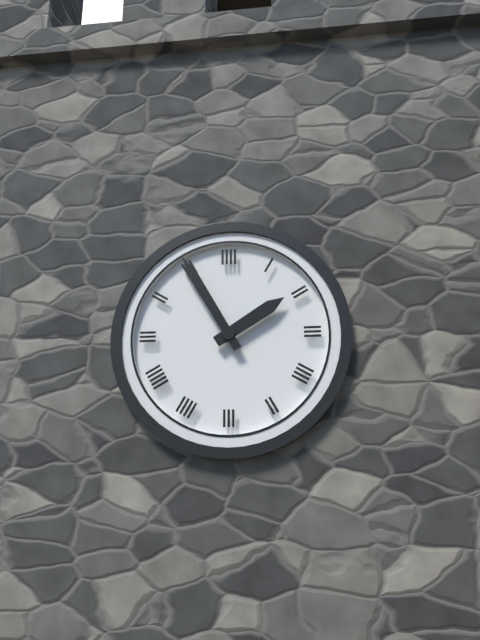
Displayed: 1h55
